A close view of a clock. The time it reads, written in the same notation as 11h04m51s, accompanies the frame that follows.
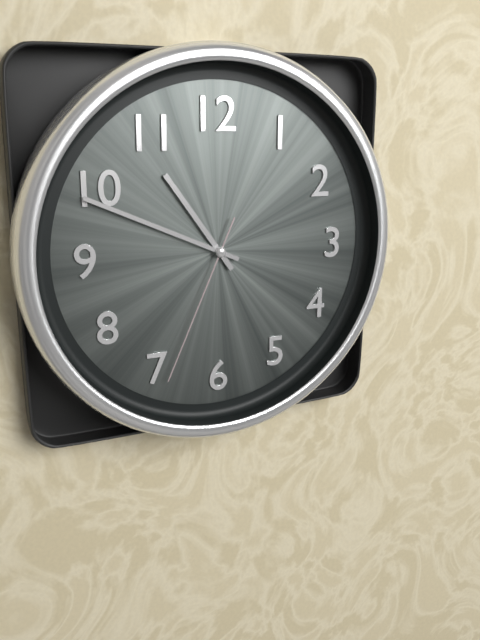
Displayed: 10h49m34s
